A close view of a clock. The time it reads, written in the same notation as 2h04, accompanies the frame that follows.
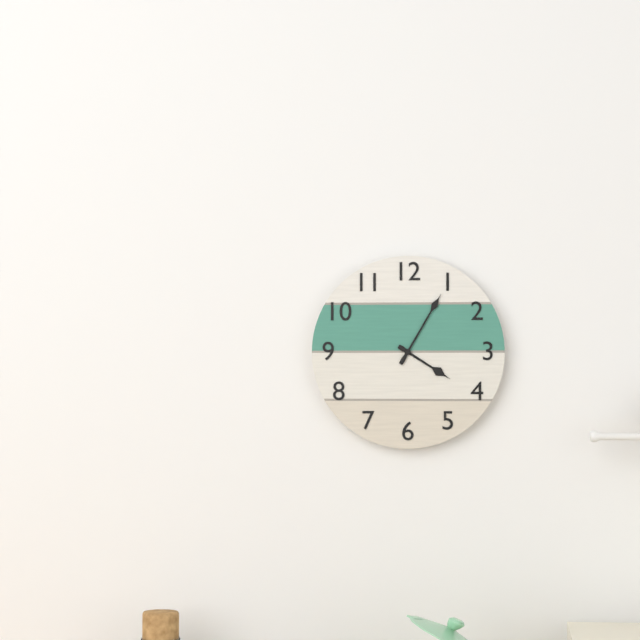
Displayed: 4h05
